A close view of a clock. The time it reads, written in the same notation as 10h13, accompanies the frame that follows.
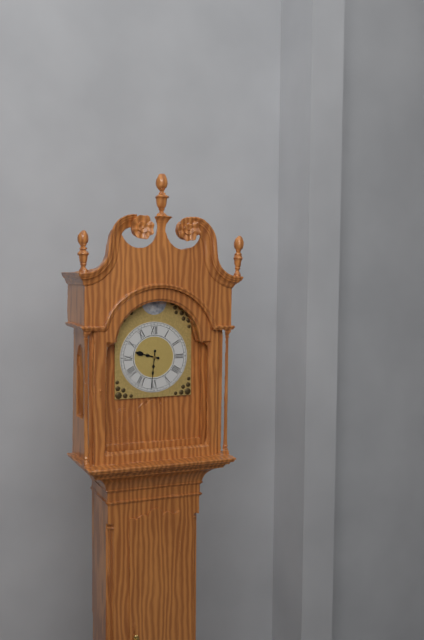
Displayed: 9h31
